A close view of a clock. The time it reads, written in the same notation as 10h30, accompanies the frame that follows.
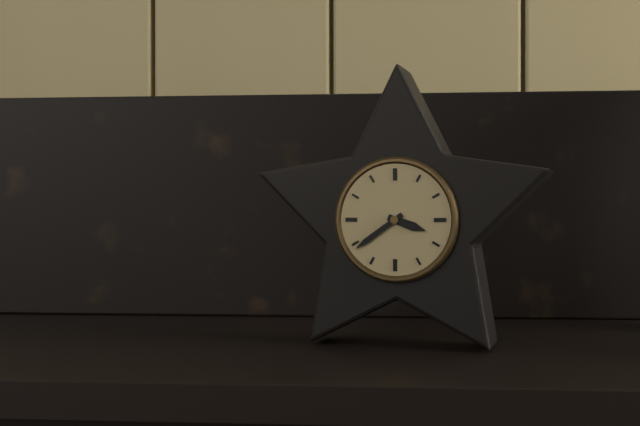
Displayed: 3h39
